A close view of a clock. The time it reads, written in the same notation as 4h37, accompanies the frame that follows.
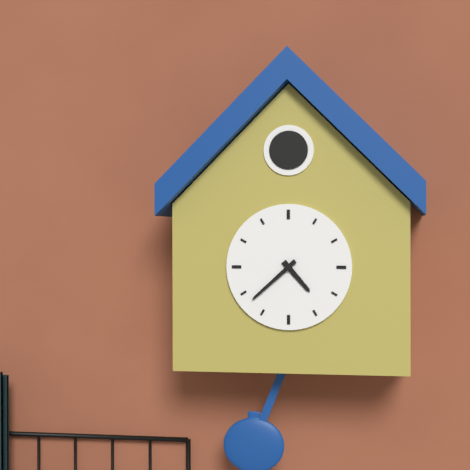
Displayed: 4h38
